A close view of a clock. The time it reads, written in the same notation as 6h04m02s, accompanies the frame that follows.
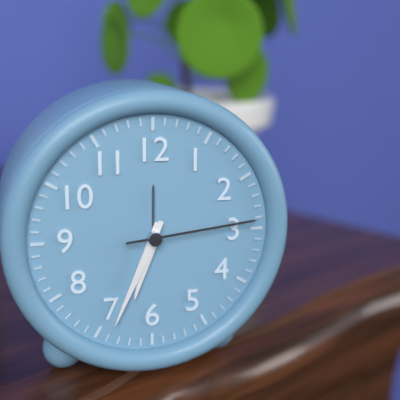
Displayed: 6h34m14s
